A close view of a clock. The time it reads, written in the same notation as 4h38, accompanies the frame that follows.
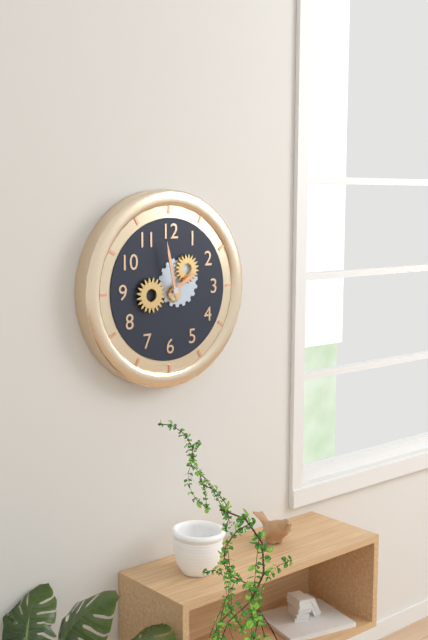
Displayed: 1h58
